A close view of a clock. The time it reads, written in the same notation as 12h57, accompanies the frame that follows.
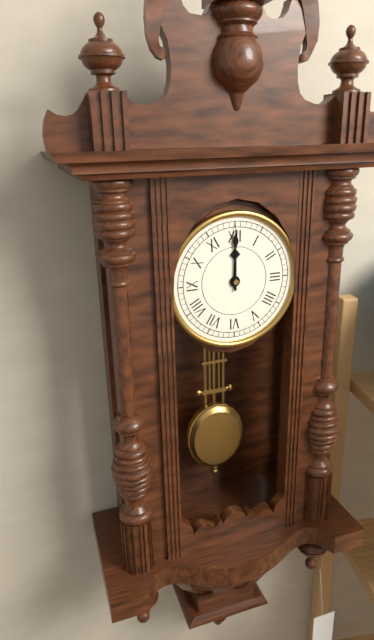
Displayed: 12h00
